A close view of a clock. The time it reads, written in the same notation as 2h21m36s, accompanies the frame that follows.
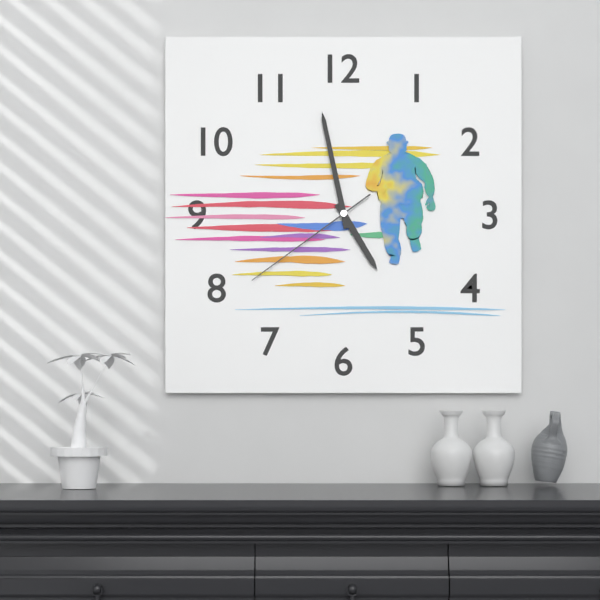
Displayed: 4h58m39s
